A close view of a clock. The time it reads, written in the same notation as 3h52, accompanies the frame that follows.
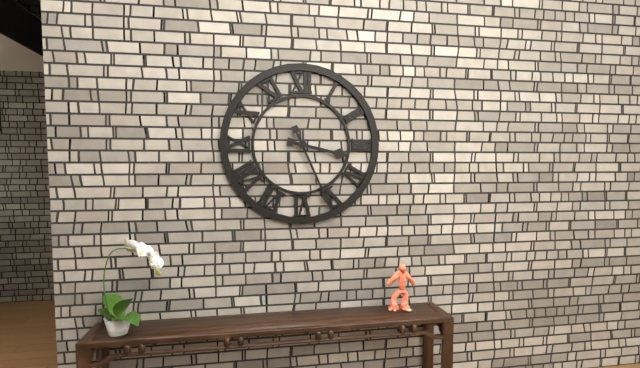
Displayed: 3h26
